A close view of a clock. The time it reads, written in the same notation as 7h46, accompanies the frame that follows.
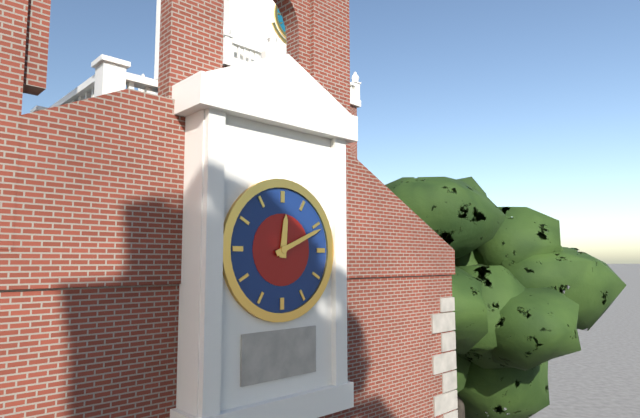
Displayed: 12h11
